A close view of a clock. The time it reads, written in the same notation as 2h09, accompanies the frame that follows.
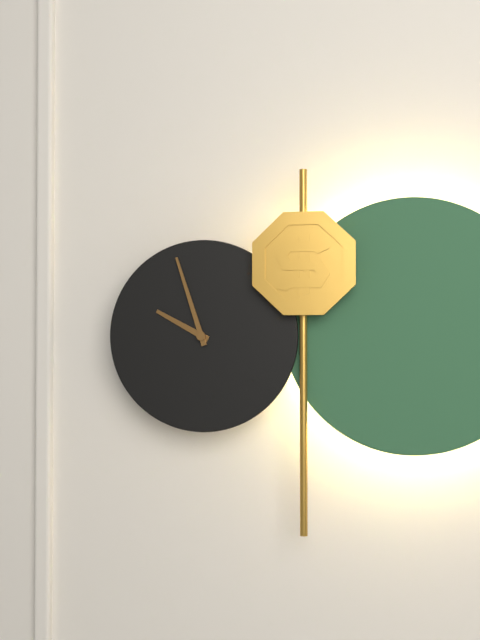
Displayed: 9h57
